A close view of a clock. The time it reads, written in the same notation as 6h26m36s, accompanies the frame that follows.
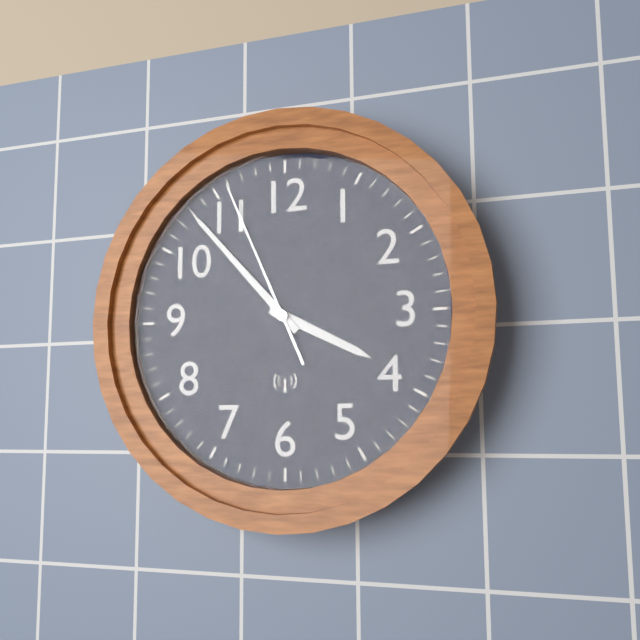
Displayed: 3h53m56s
